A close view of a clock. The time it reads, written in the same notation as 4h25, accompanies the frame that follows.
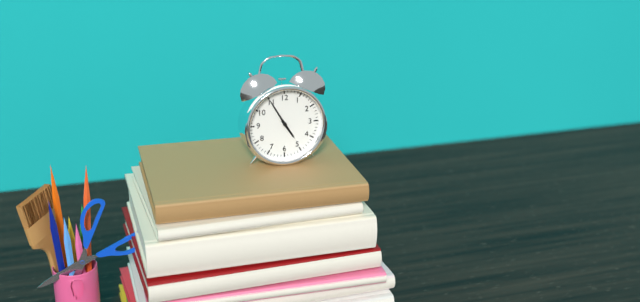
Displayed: 4h55
